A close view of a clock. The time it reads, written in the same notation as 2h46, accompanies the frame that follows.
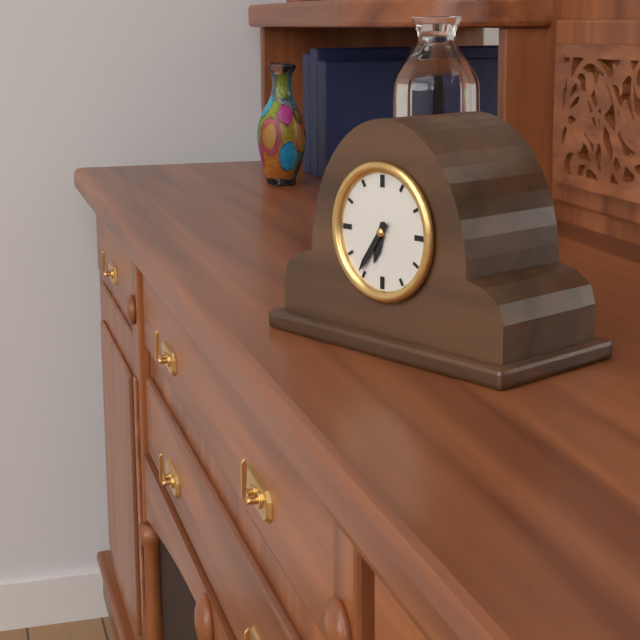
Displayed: 6h36
